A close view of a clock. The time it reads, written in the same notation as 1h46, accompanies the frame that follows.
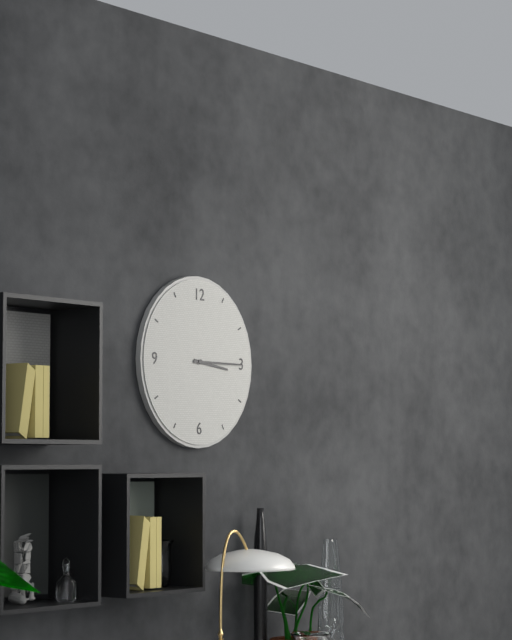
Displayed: 3h15
